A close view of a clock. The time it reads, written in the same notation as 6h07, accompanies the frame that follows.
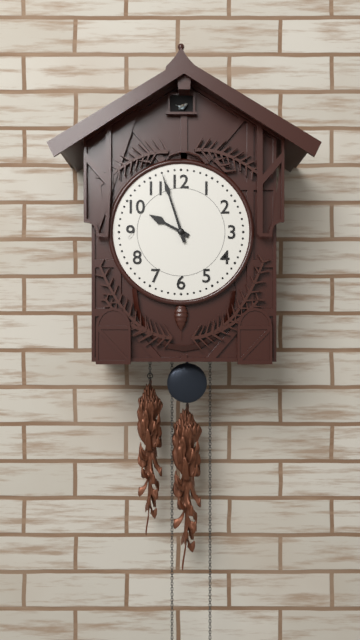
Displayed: 9h57
